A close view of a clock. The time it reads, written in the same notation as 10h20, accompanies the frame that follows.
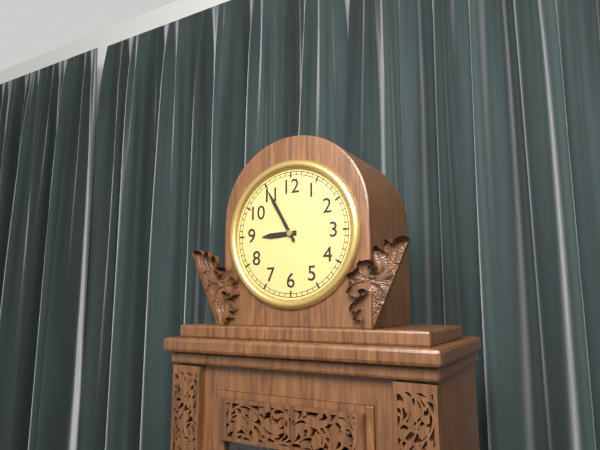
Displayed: 8h55
